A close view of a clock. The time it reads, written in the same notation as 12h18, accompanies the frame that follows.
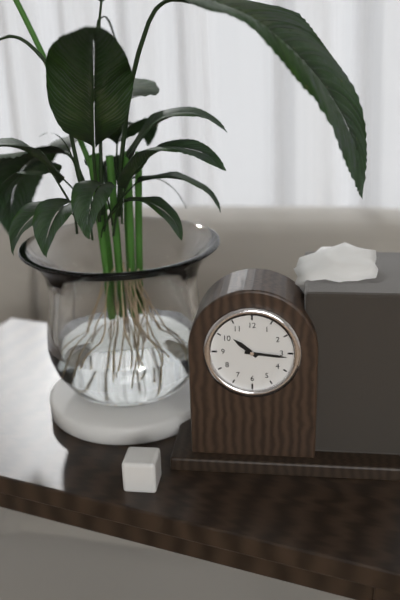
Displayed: 10h16
